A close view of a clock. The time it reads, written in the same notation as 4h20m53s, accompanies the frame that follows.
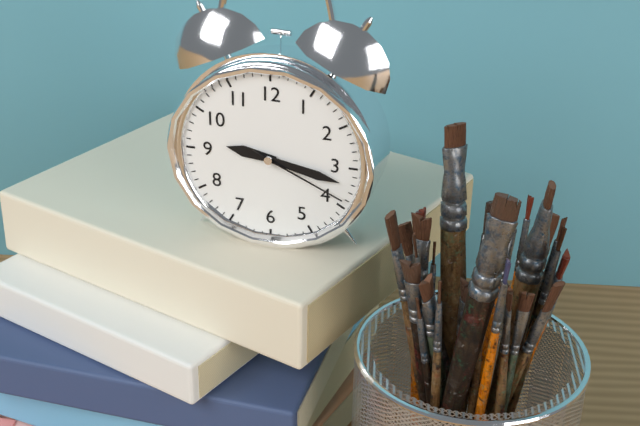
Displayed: 9h17m19s
